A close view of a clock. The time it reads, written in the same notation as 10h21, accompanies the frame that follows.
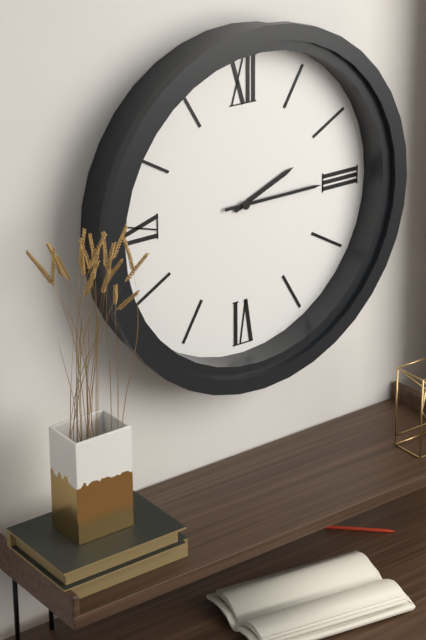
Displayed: 2h15
